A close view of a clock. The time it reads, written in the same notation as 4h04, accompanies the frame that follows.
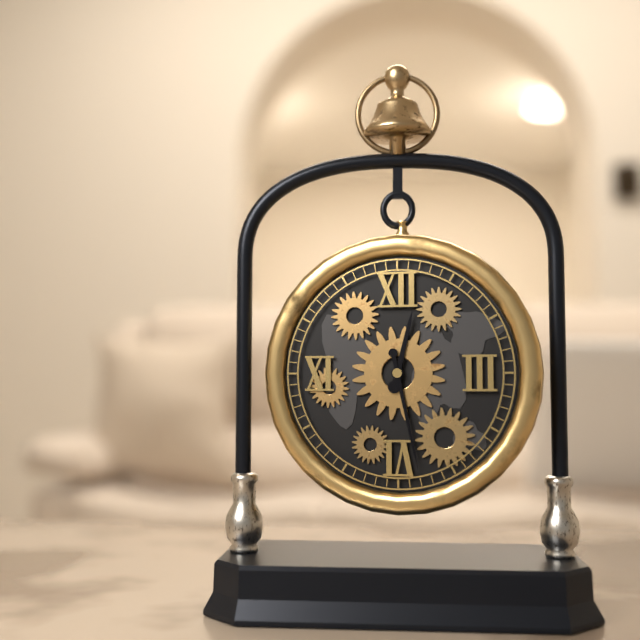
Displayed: 12h28
